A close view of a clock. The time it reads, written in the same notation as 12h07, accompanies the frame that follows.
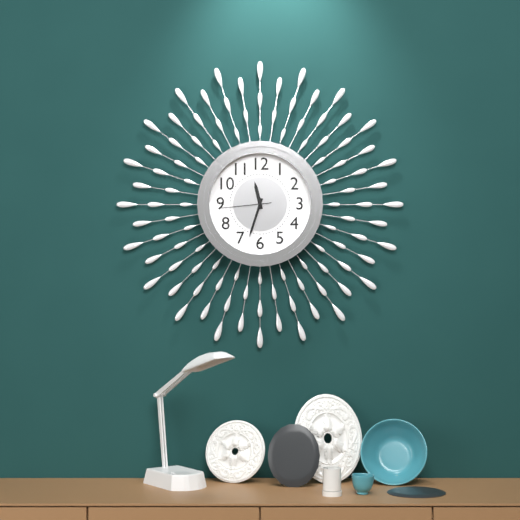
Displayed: 11h33
